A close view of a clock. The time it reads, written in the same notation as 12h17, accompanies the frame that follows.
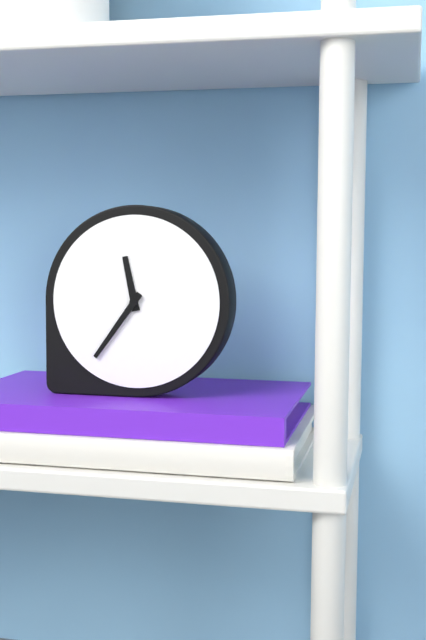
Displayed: 11h36
